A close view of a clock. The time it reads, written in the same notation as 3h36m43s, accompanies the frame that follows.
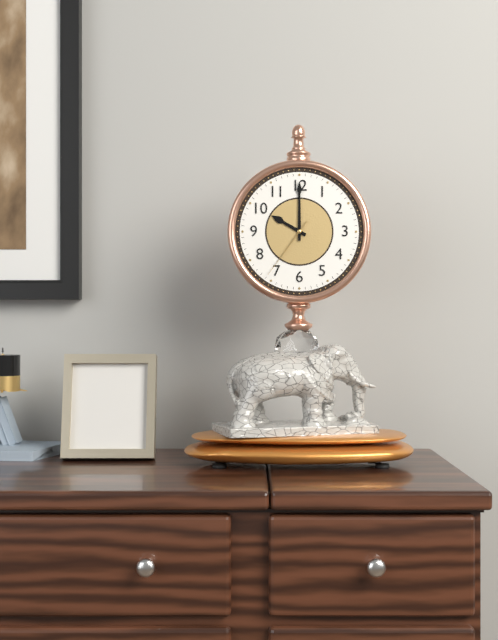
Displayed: 10h00m36s
